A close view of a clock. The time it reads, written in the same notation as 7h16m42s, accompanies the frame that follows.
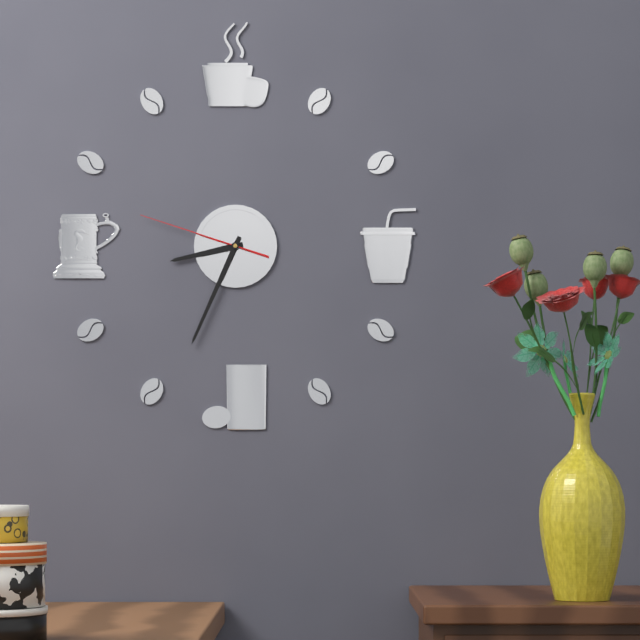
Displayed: 8h34m48s
